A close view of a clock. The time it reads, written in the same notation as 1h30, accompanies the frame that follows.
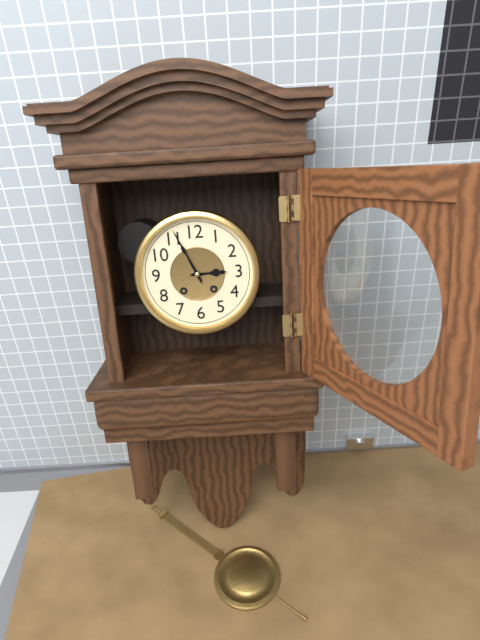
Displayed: 2h56
